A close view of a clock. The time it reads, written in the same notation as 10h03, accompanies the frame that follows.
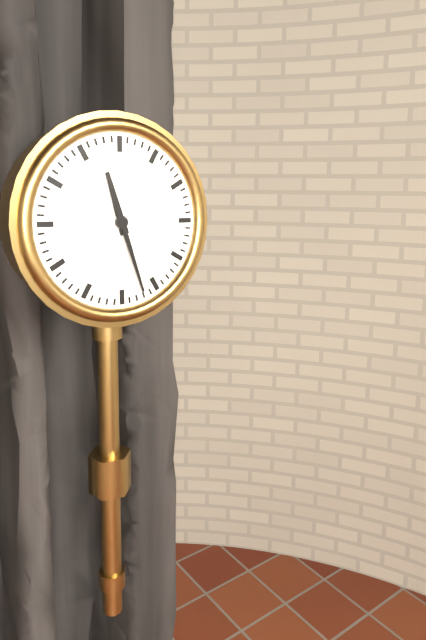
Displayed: 11h27
